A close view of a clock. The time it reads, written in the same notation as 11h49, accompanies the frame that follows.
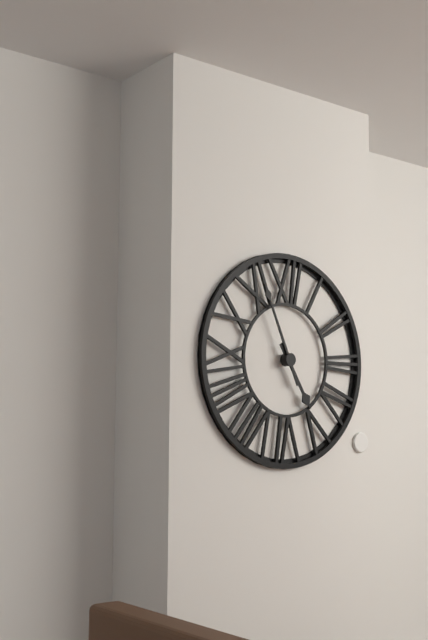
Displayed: 4h56
